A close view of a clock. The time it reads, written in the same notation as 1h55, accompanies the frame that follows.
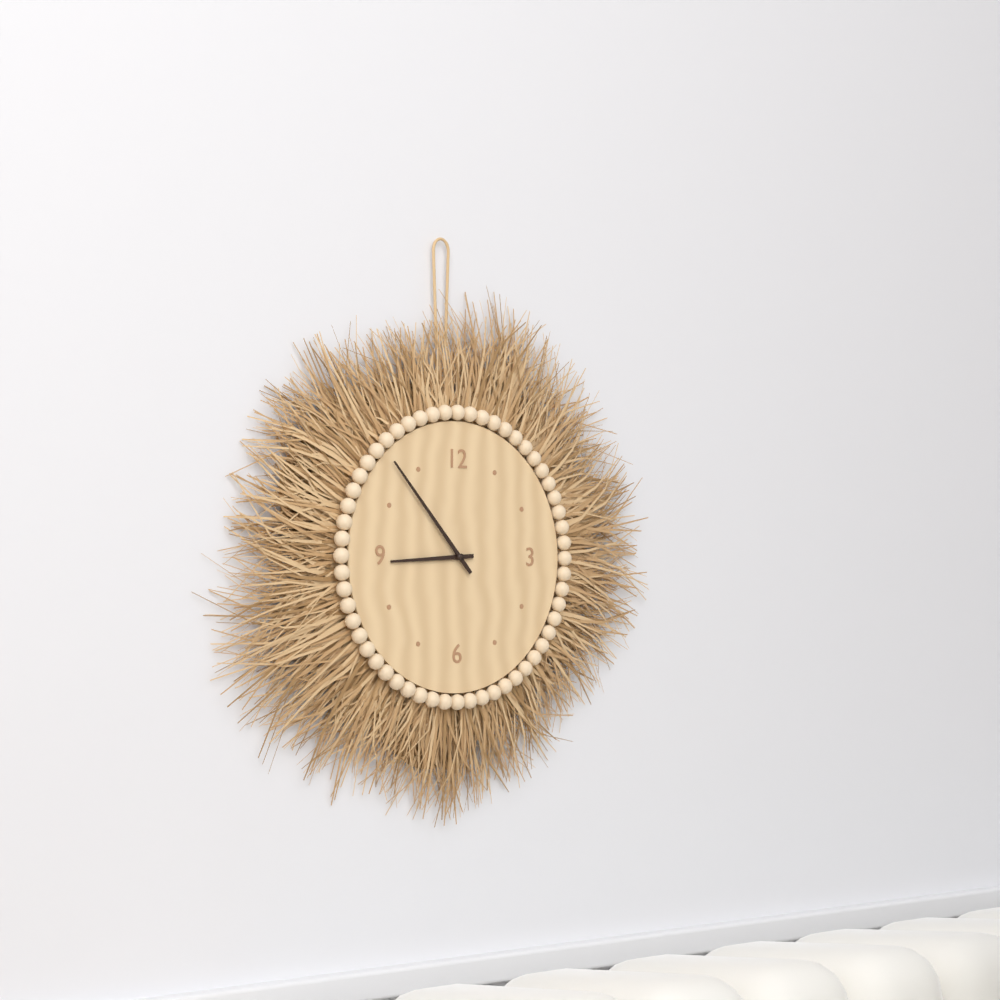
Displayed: 8h53
